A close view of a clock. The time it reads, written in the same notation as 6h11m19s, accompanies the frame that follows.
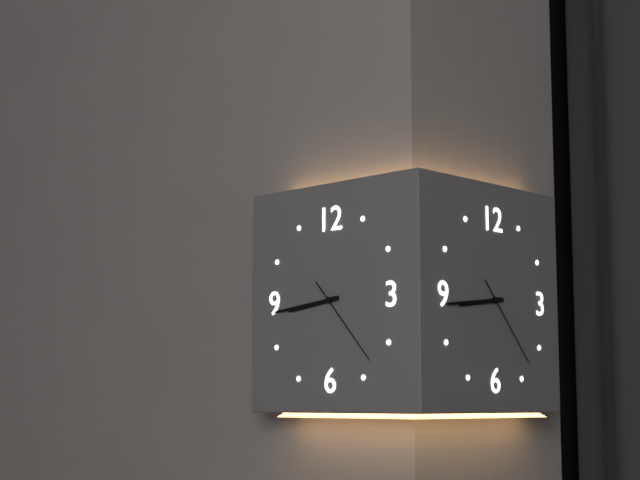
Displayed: 8h44m23s
